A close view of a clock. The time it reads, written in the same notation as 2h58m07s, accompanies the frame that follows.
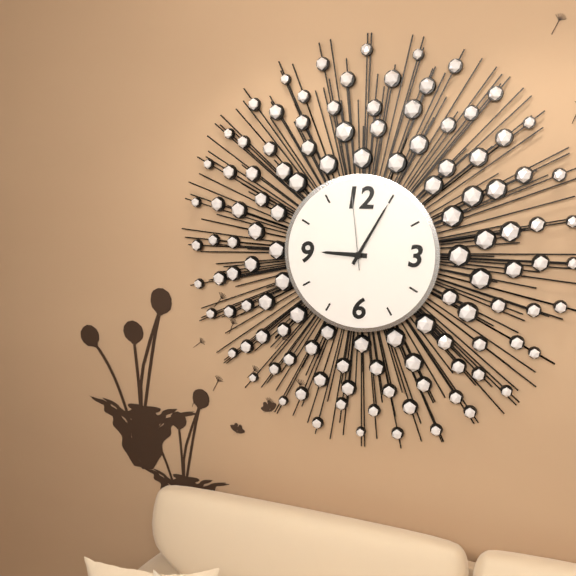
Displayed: 9h05m59s
